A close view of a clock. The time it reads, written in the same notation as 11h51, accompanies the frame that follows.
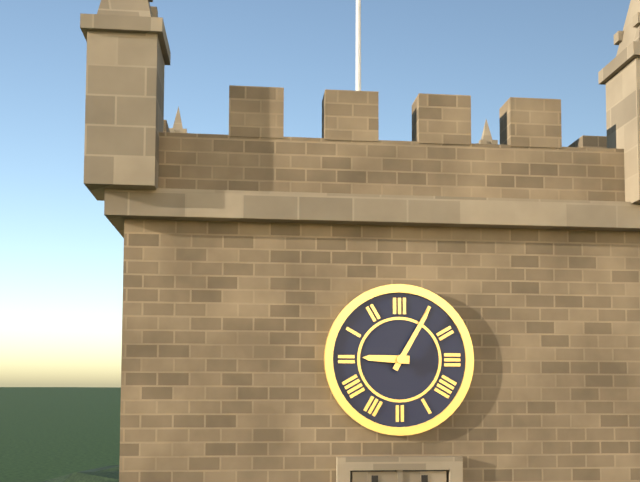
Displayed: 9h05
